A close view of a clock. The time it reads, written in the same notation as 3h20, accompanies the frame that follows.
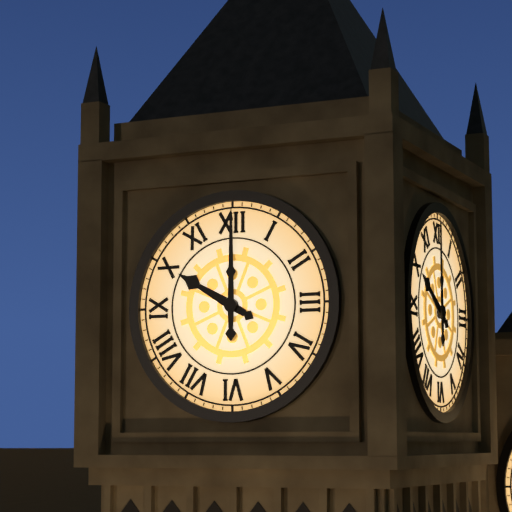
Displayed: 10h00
